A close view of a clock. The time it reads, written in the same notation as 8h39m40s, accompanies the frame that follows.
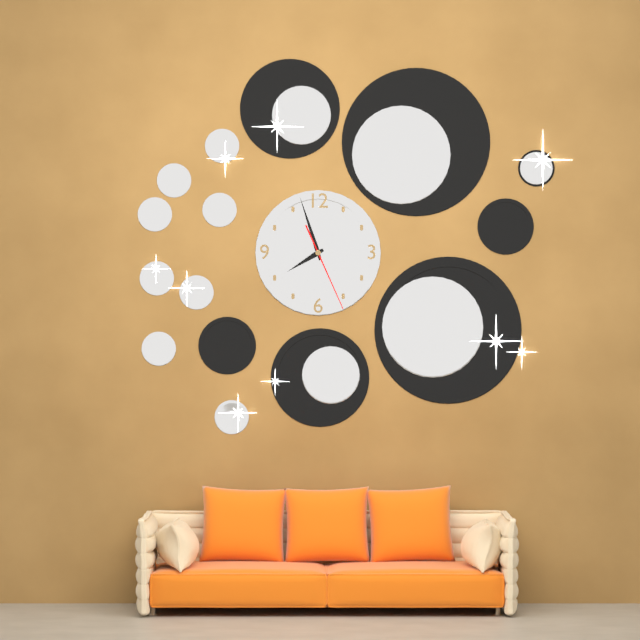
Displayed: 7h57m26s
